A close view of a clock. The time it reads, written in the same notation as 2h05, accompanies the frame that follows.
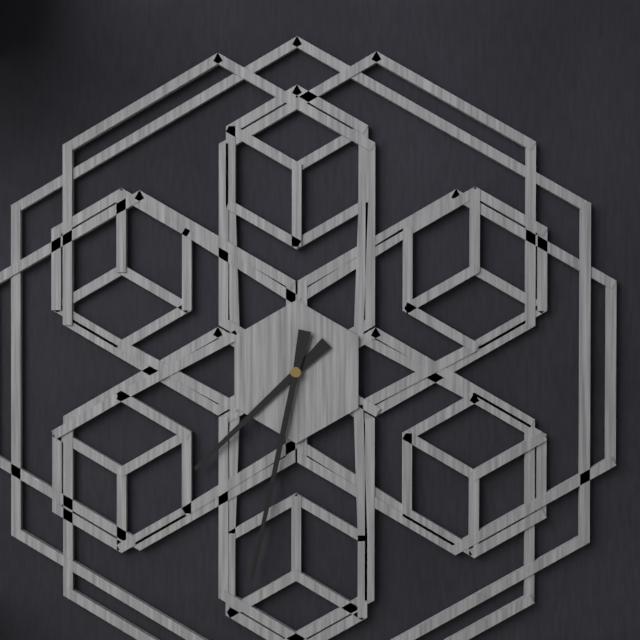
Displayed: 7h32
